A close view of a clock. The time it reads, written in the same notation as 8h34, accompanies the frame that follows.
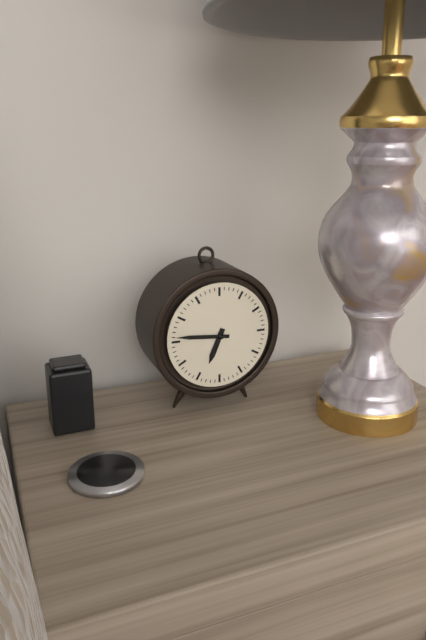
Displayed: 6h46
